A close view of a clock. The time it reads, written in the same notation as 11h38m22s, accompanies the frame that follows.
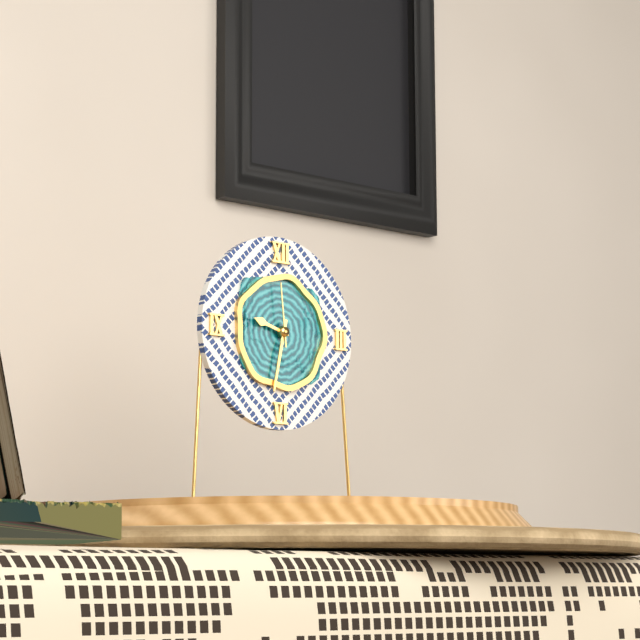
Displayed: 9h32m59s
